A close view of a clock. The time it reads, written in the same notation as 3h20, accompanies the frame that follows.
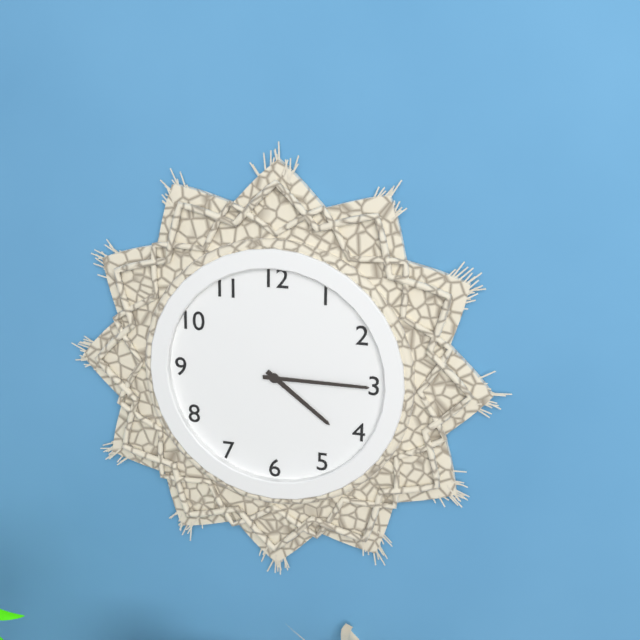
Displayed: 4h15
